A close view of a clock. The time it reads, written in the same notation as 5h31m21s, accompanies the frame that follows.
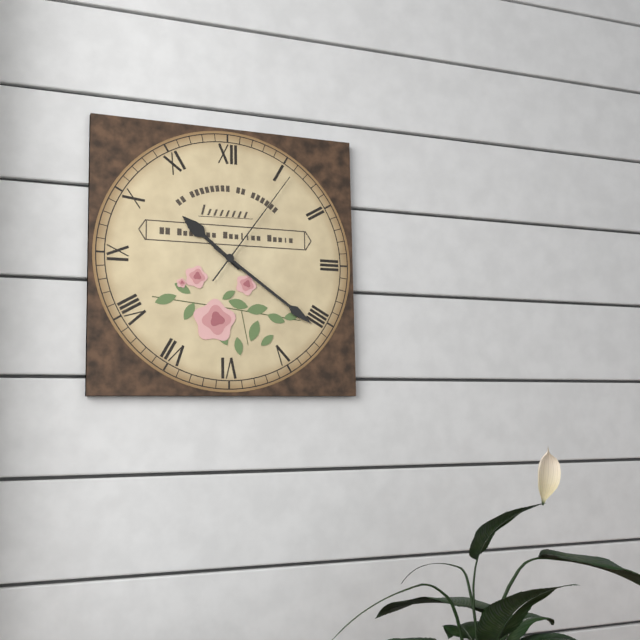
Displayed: 10h21m06s
